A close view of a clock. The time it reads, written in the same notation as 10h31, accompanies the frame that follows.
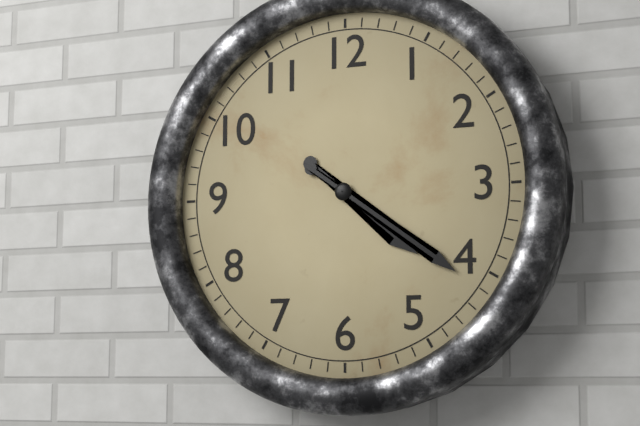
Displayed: 4h21
